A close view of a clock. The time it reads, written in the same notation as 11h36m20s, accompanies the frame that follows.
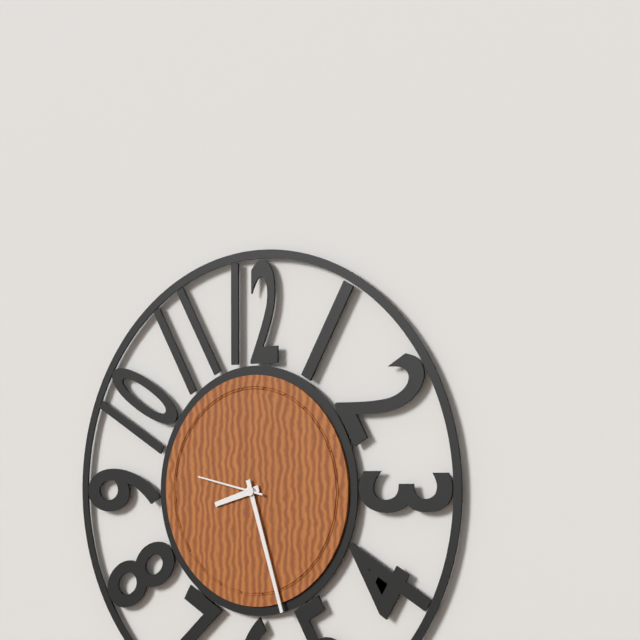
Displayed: 8h27m47s
